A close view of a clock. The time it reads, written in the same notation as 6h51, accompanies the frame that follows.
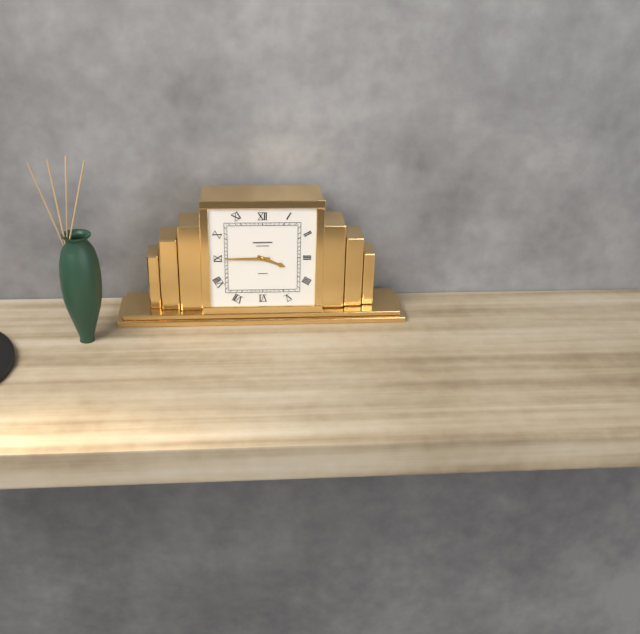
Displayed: 3h45
